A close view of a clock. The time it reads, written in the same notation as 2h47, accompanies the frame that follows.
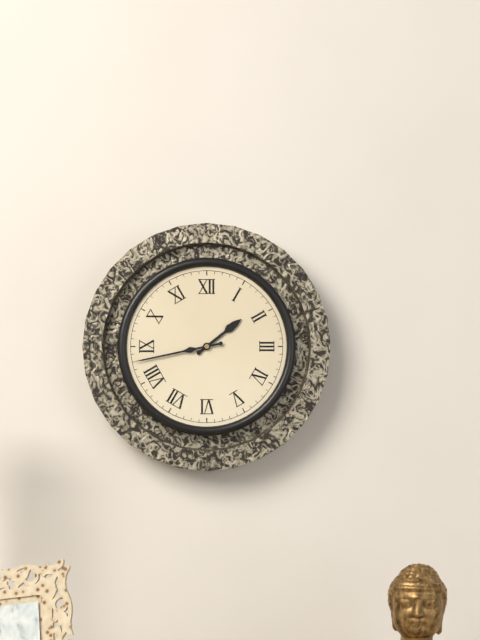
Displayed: 1h43
